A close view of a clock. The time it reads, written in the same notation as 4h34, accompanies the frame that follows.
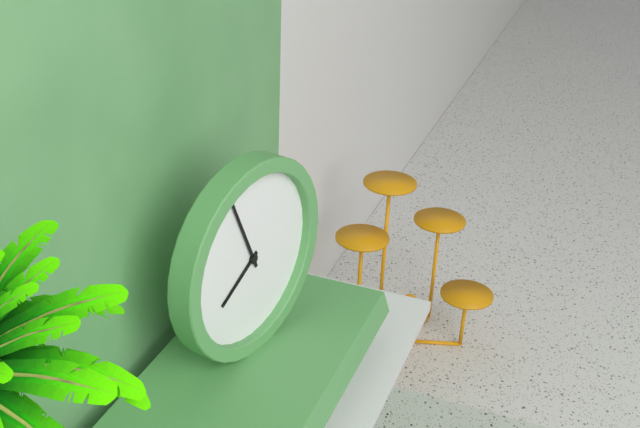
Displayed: 7h56
